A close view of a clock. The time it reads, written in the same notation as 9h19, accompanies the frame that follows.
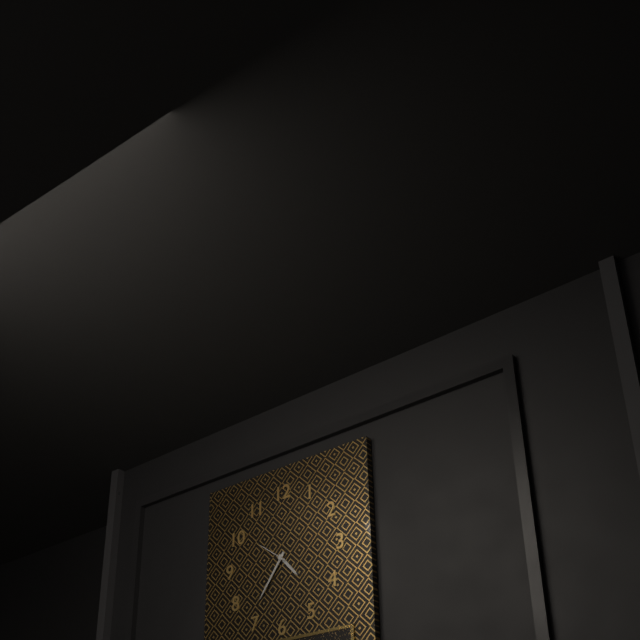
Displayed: 4h36
